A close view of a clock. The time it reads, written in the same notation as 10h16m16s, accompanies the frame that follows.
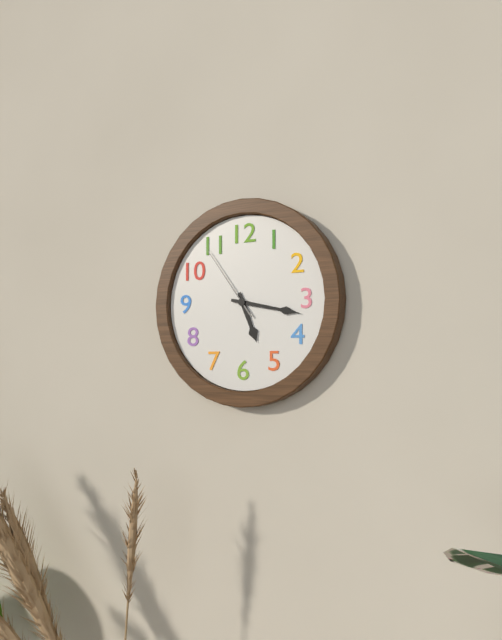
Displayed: 5h17m54s
